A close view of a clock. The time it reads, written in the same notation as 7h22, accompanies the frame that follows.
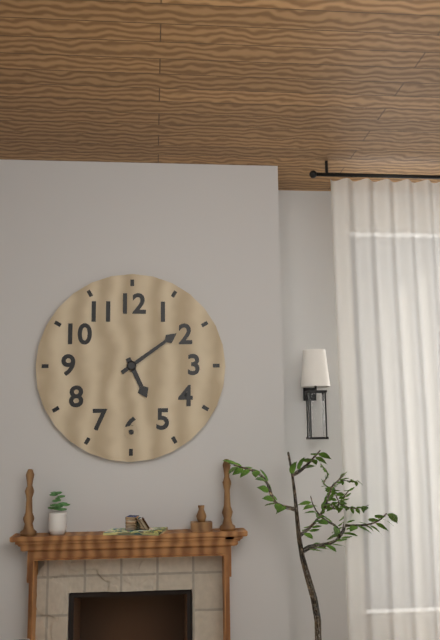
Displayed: 5h09
